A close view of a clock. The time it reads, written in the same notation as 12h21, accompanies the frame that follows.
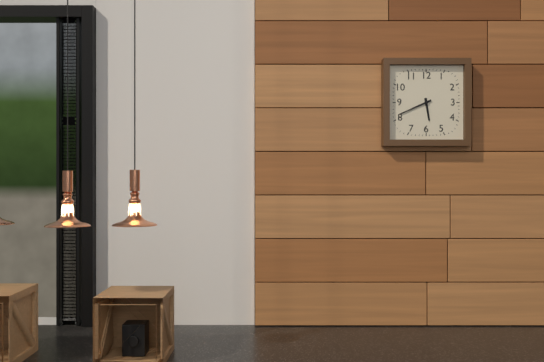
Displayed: 5h41
